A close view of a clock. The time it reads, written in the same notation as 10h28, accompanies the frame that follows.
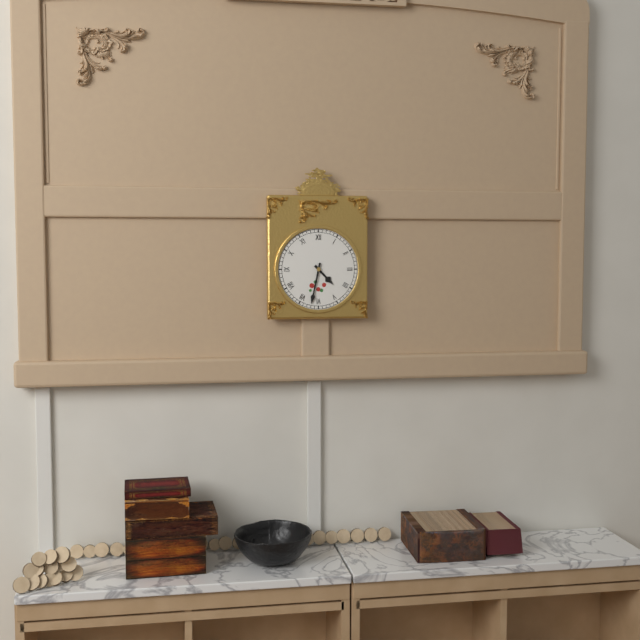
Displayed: 4h32
